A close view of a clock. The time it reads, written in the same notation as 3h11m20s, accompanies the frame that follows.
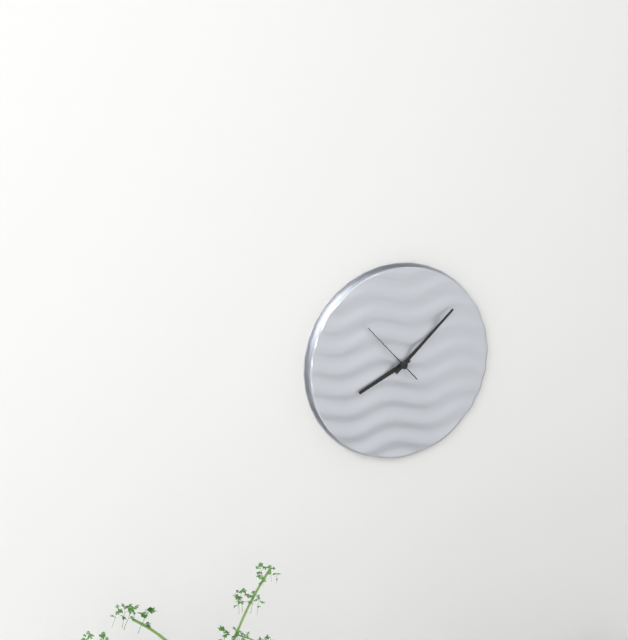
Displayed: 8h08m53s
